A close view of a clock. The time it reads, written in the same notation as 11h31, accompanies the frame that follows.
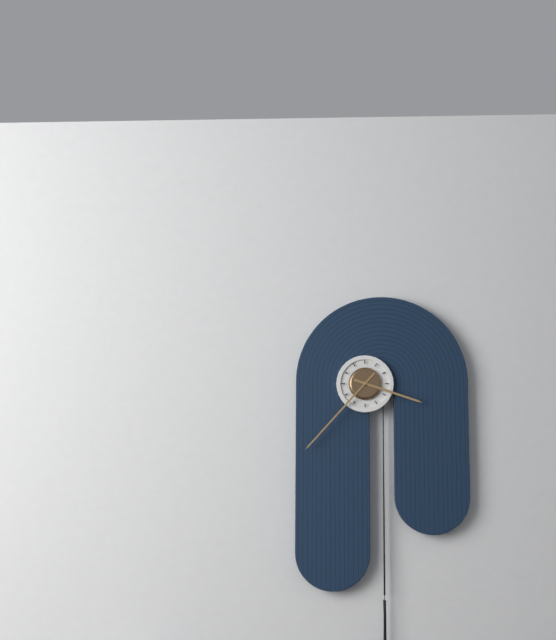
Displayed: 3h37
